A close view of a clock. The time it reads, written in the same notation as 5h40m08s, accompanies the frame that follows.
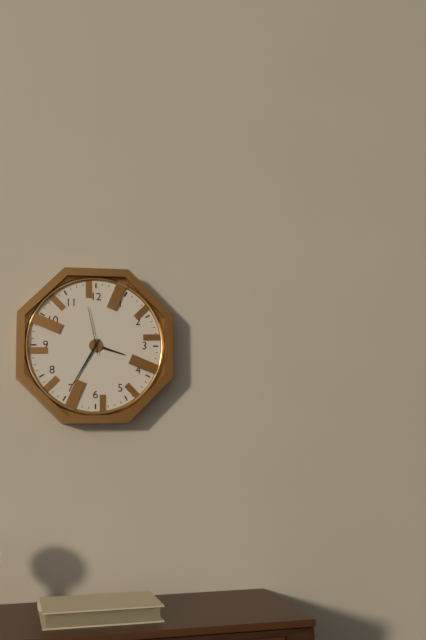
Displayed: 3h35m58s
